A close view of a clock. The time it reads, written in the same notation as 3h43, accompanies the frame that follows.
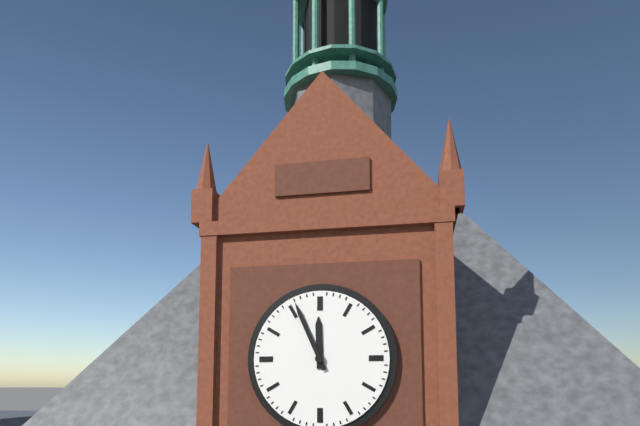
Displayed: 11h56
